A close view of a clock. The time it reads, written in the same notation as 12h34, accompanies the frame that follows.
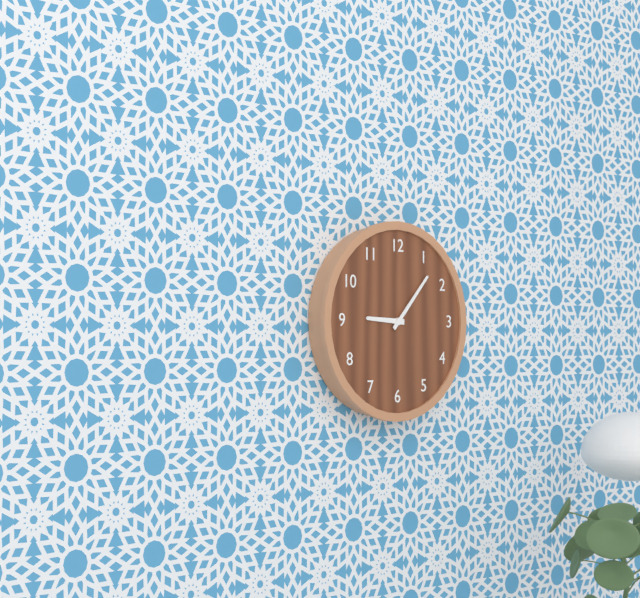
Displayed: 9h07
